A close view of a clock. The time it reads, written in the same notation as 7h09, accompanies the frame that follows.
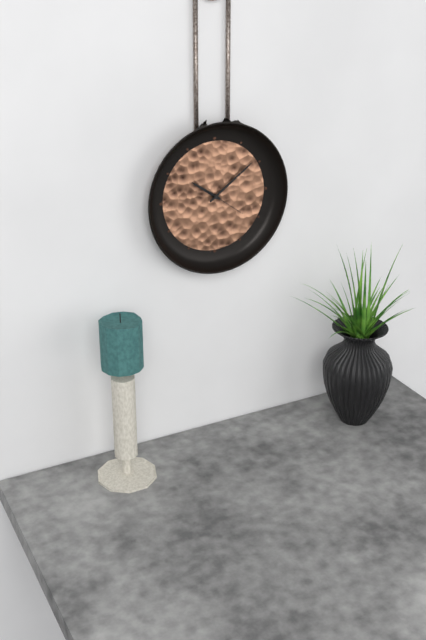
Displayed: 10h09
